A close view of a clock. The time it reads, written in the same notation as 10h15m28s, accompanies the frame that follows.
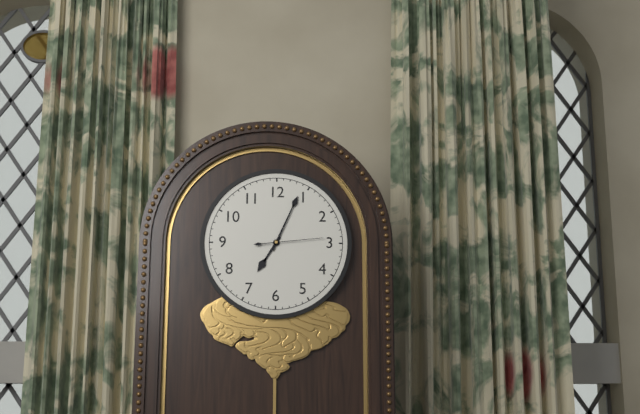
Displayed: 7h04m14s
